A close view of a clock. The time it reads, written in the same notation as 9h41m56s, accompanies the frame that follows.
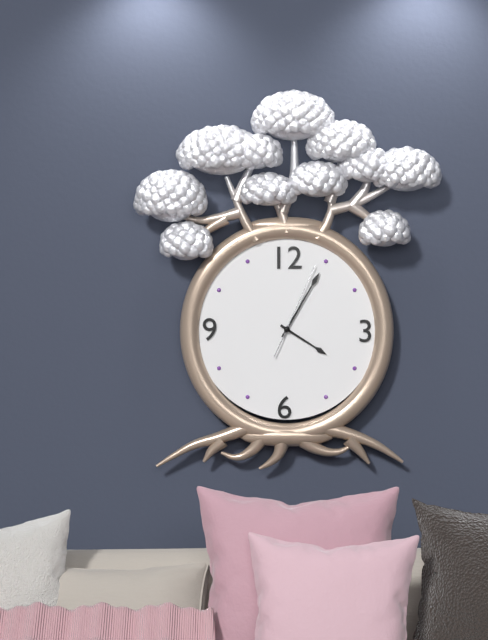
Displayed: 4h05m04s
